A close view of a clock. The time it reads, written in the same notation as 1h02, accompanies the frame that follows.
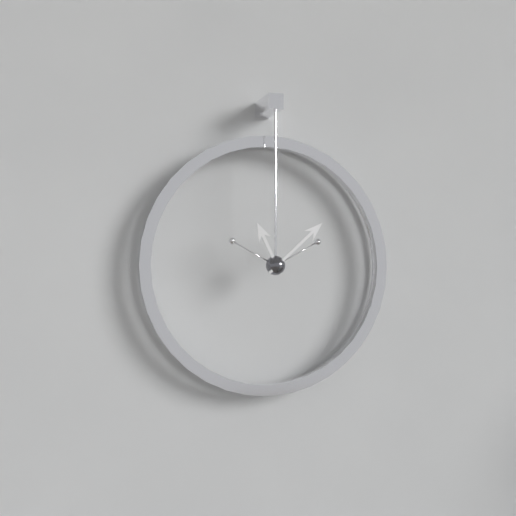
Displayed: 11h08
